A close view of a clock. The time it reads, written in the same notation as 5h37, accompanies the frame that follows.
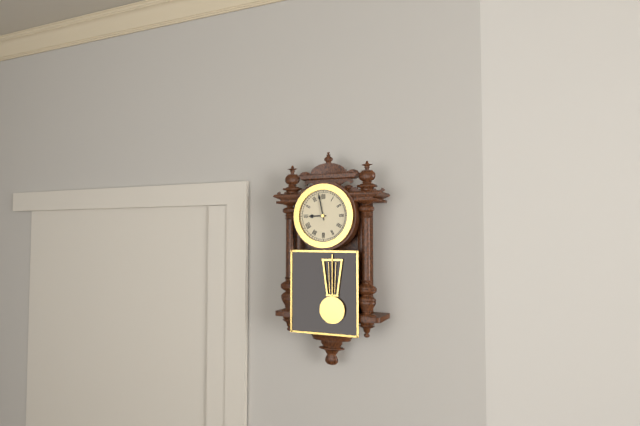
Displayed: 8h58
